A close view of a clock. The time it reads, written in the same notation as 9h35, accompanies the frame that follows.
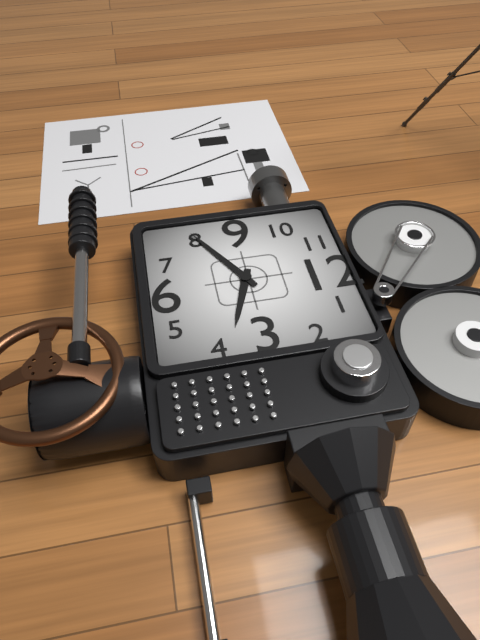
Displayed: 3h40
